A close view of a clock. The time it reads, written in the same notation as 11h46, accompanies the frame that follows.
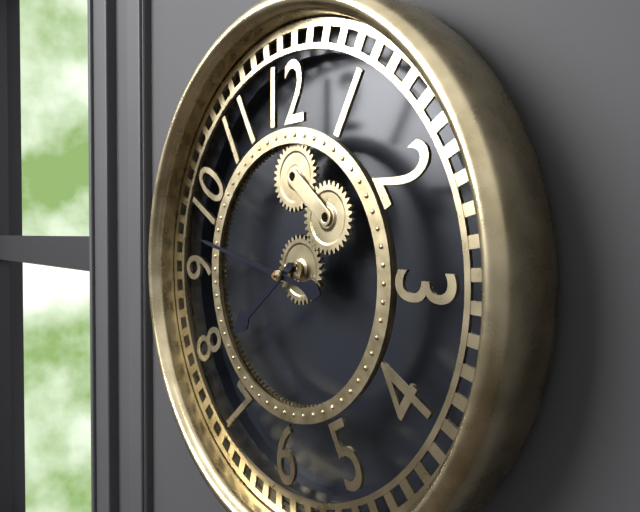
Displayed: 7h47
